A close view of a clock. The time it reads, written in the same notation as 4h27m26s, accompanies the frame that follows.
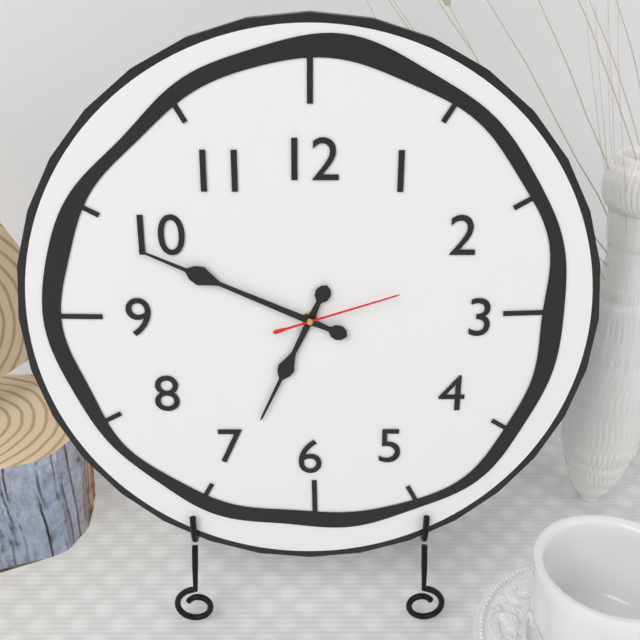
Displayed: 6h49m12s
